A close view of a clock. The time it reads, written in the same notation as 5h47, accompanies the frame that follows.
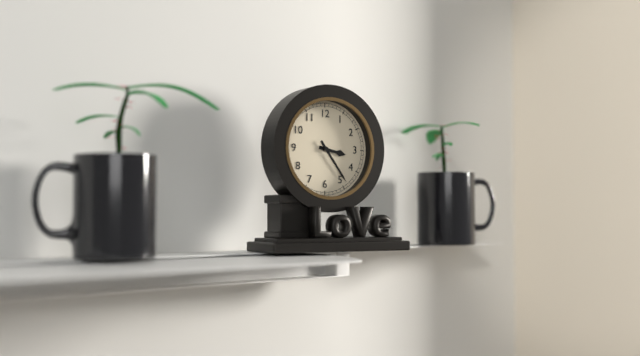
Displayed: 3h24
